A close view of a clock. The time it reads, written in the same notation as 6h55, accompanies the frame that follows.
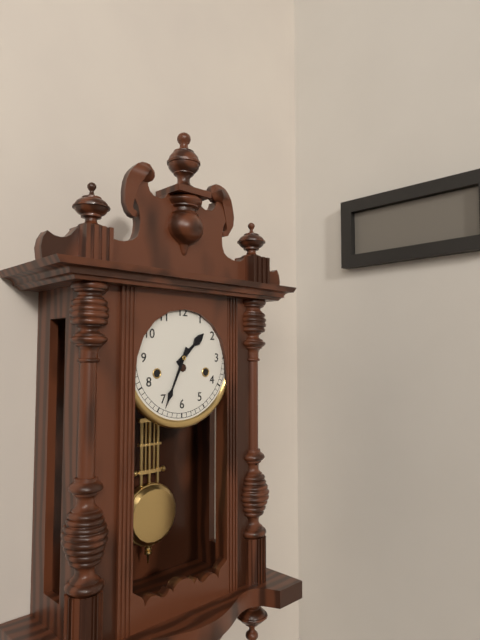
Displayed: 1h34
